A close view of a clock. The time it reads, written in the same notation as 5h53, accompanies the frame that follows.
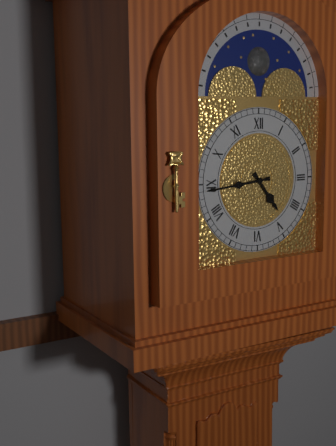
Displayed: 4h44
